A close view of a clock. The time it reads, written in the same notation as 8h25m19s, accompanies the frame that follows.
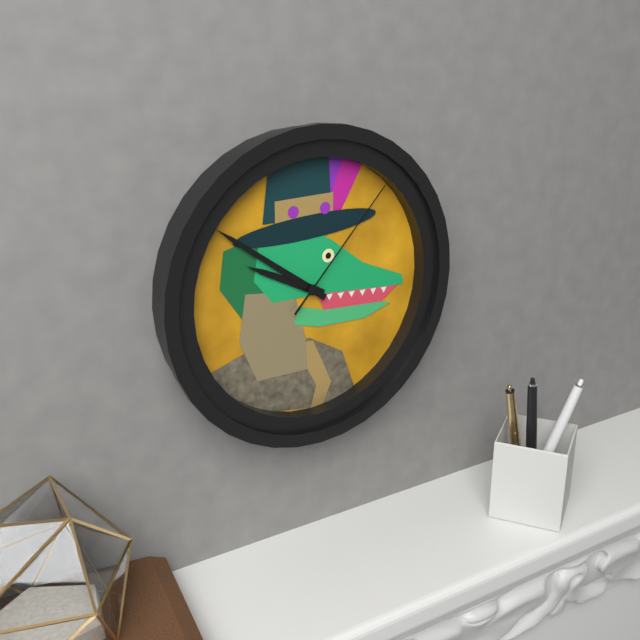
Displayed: 9h51m07s
